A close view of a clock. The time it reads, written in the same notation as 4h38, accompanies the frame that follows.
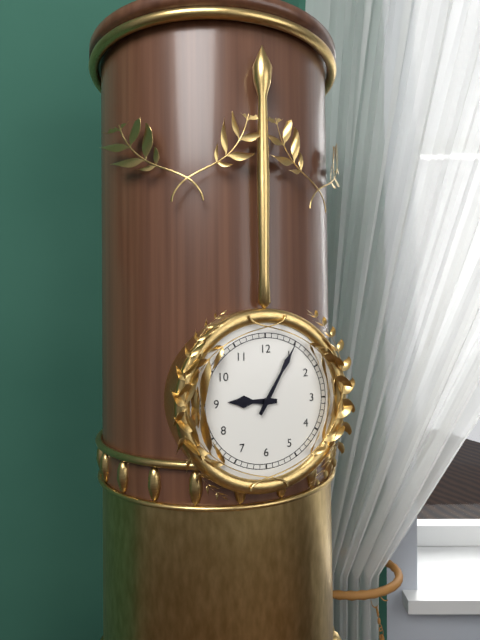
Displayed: 9h05
